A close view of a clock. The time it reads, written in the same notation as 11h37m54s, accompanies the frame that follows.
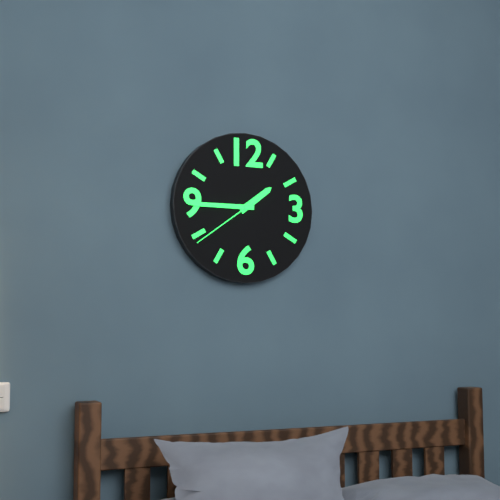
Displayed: 1h45m39s
